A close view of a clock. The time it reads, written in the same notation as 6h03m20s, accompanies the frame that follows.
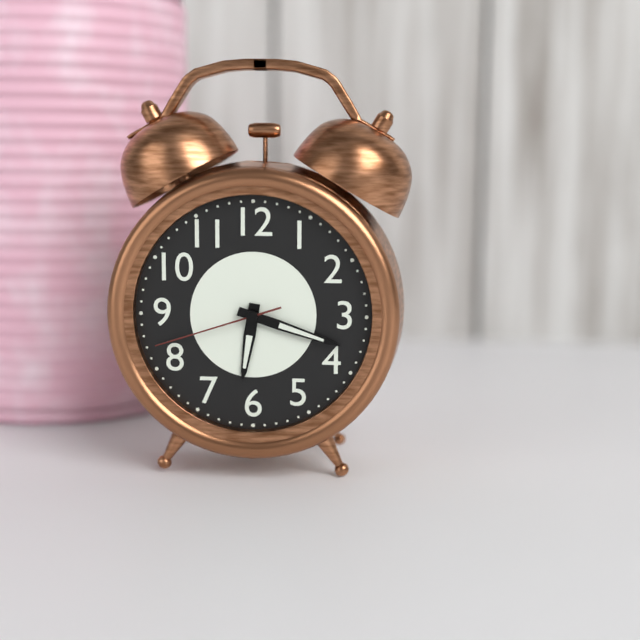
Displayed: 6h18m42s
